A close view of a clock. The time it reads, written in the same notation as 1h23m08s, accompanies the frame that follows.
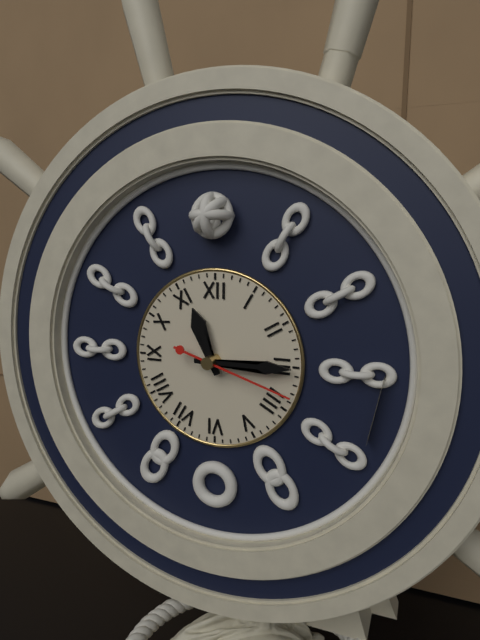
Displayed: 11h15m18s
